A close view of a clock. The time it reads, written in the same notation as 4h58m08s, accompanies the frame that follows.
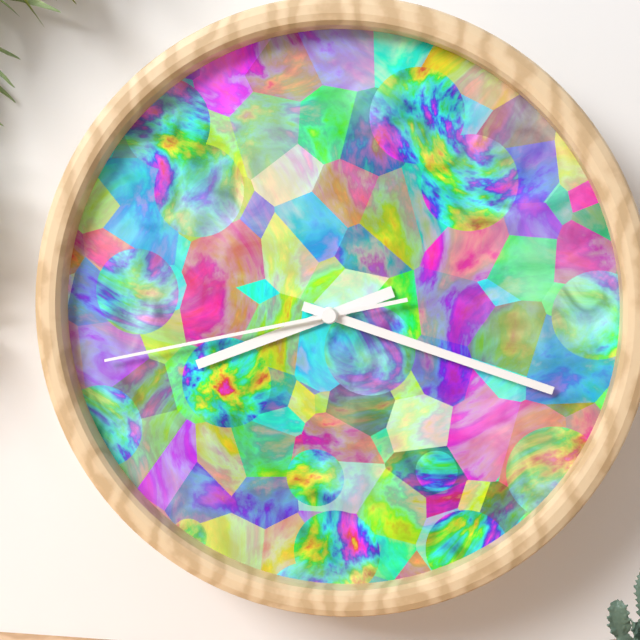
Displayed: 8h18m43s
